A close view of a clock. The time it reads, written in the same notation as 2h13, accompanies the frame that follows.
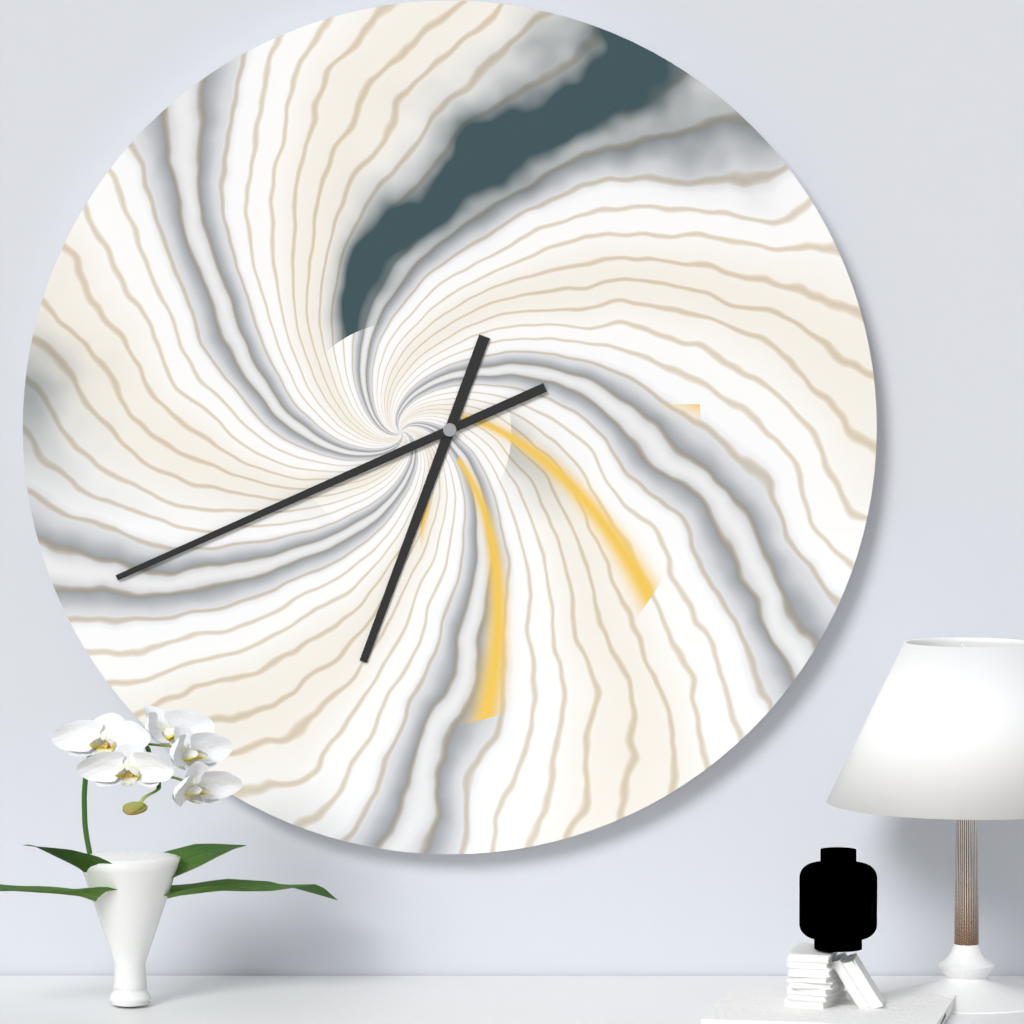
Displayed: 6h41
